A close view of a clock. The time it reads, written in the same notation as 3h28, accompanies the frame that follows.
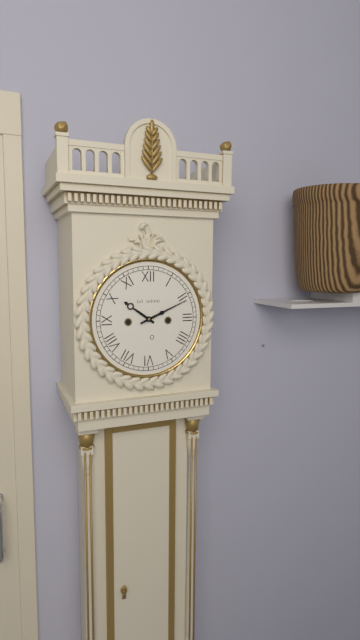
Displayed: 10h11
